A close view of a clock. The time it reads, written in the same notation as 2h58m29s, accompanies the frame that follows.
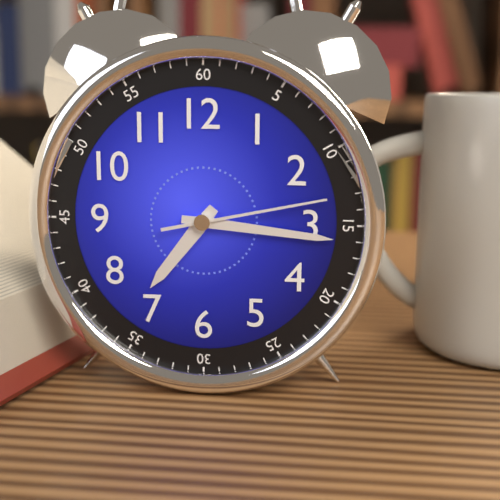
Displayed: 7h16m13s
